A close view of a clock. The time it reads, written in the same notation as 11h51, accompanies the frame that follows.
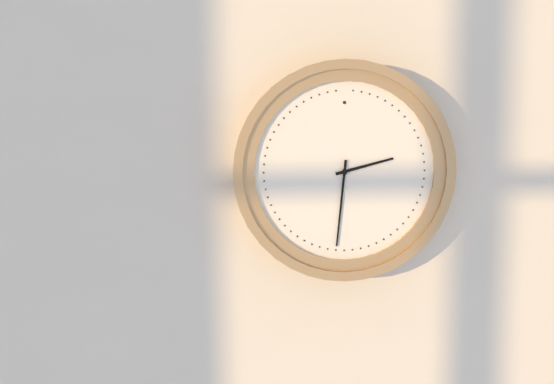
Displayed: 2h31
